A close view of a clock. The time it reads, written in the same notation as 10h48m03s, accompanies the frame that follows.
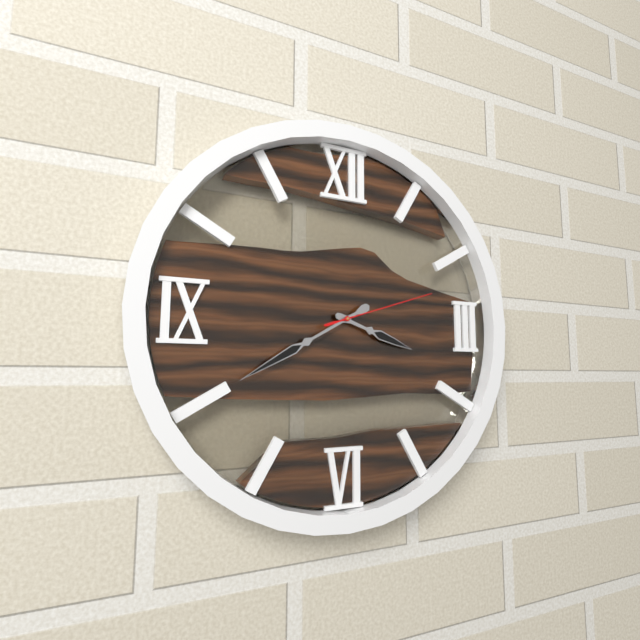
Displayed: 3h40m12s
